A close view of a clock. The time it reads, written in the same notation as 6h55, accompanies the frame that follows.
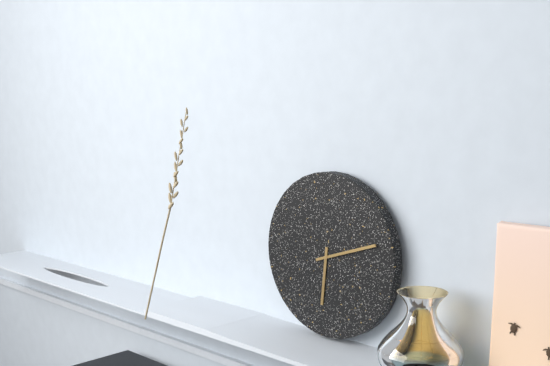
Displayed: 6h12
